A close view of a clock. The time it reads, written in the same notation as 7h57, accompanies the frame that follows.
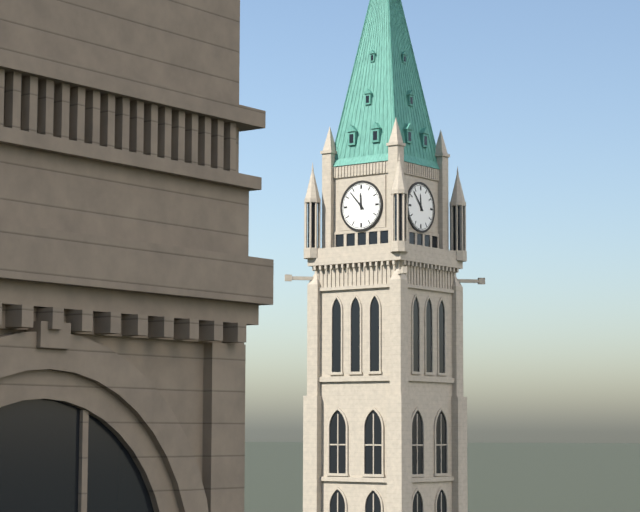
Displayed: 11h53
